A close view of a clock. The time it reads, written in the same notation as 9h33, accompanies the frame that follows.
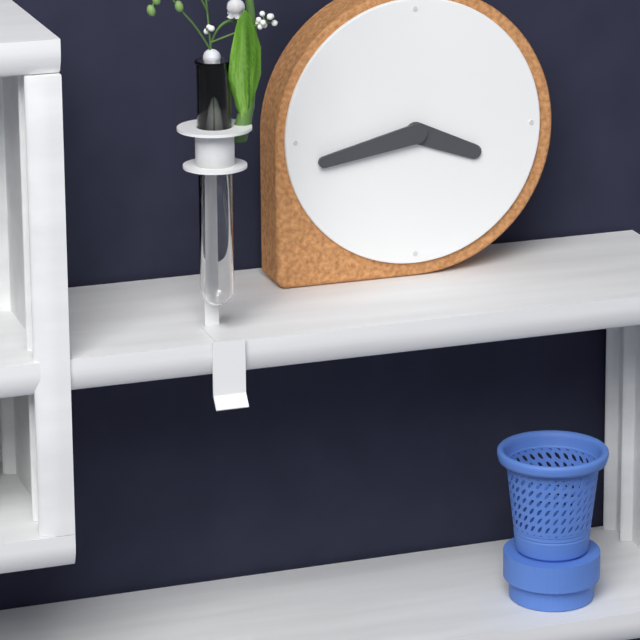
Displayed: 3h43
